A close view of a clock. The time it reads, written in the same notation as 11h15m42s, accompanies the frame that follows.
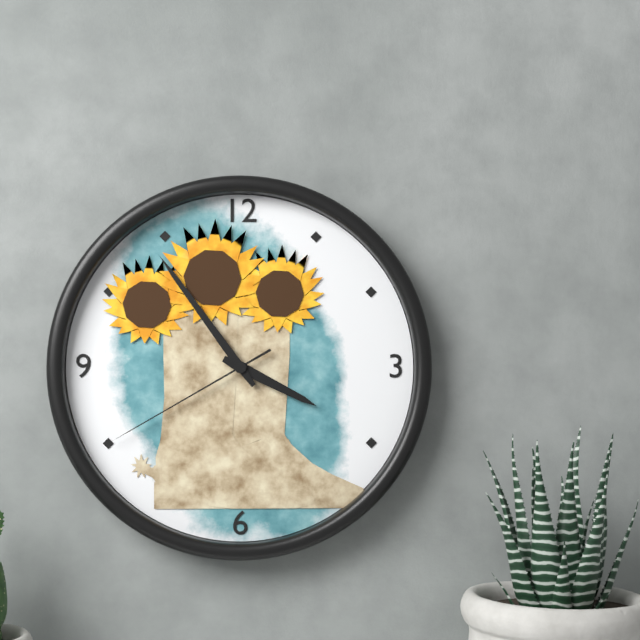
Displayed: 3h54m40s
